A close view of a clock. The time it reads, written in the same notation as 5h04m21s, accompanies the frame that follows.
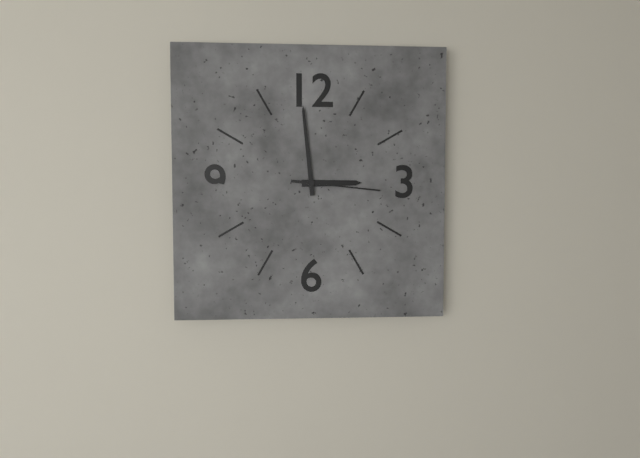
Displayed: 2h59m16s
